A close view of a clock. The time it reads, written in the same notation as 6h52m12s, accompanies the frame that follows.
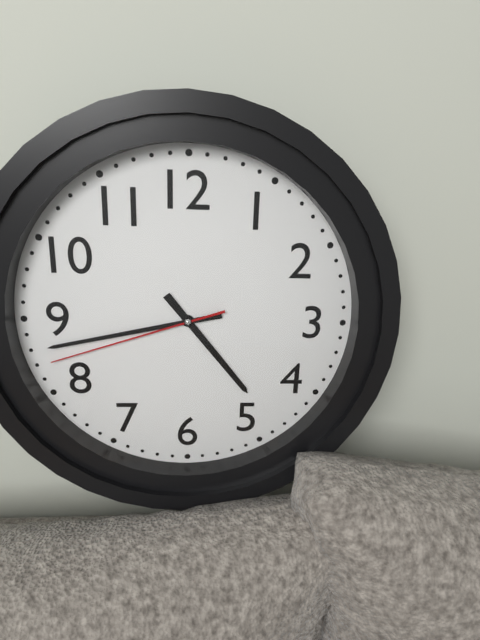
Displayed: 4h43m42s
